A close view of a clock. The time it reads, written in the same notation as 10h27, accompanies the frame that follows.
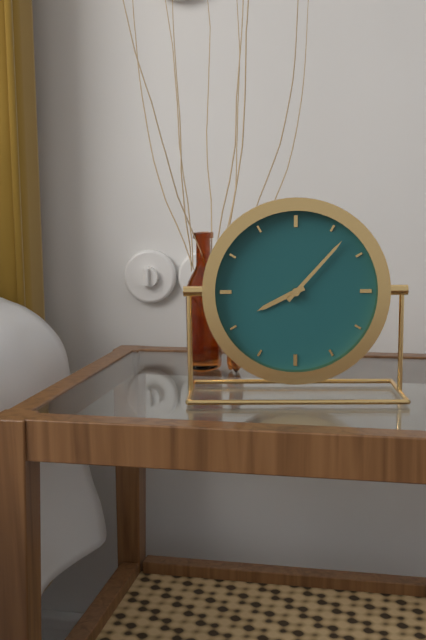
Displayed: 8h07
